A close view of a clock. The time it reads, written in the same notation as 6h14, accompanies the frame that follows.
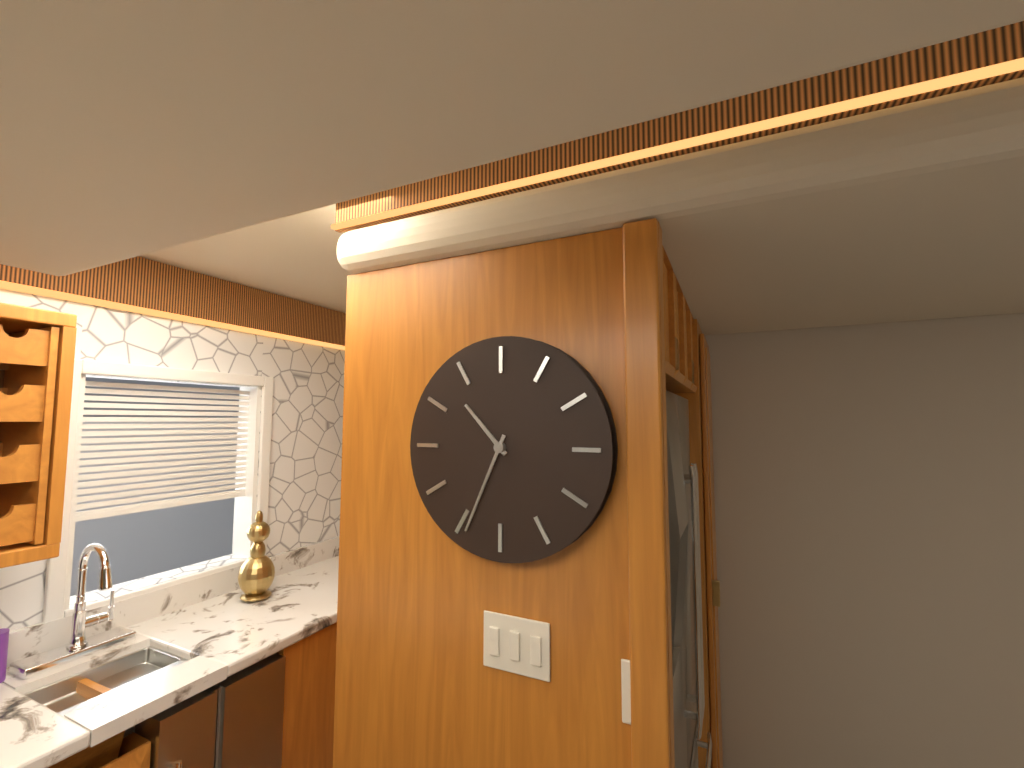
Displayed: 10h34
